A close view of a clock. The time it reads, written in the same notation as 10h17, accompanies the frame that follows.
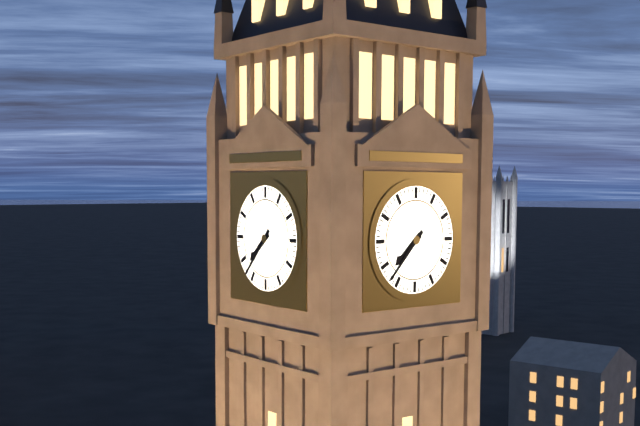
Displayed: 7h37
